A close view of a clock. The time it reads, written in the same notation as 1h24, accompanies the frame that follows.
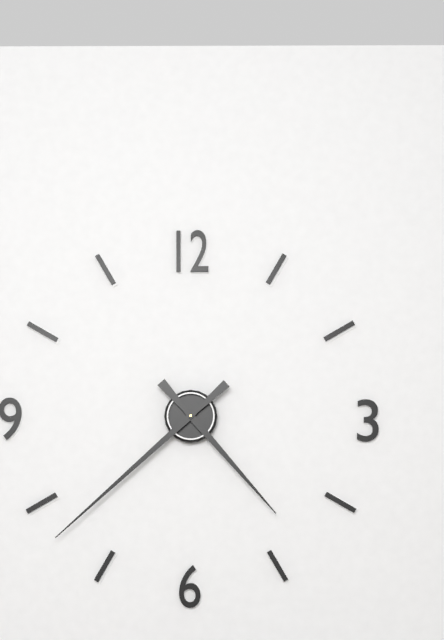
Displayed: 4h38
